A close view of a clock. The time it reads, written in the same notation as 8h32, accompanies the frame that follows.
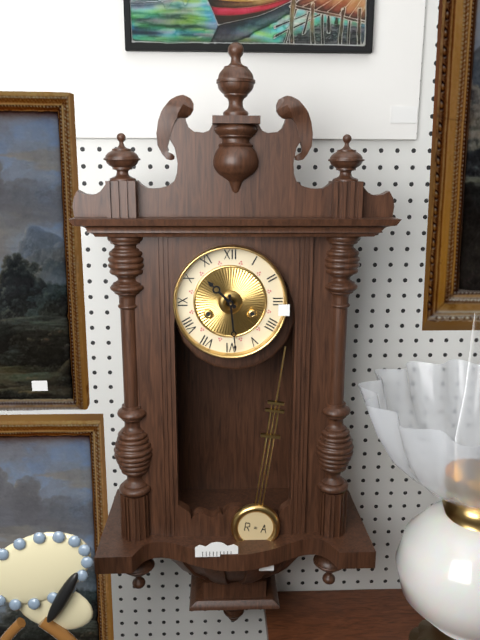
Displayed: 10h29
